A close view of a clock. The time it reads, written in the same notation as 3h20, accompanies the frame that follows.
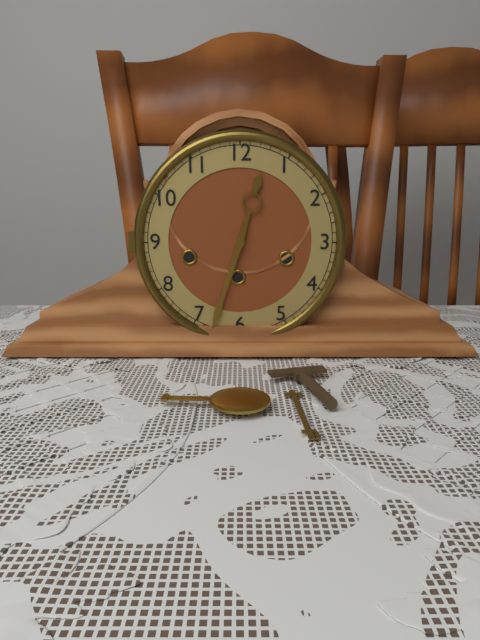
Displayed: 12h33
